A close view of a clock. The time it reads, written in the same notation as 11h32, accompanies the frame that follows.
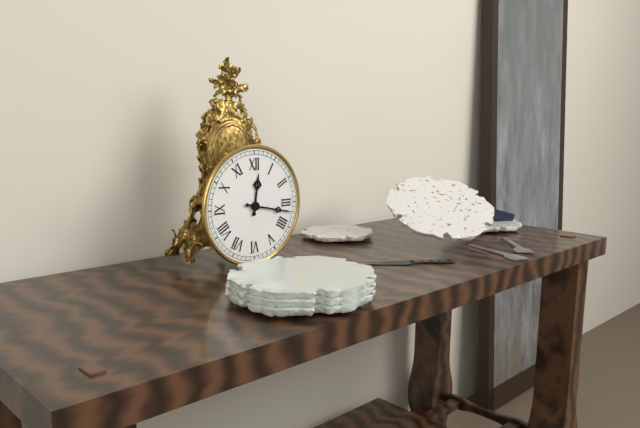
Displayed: 12h17
